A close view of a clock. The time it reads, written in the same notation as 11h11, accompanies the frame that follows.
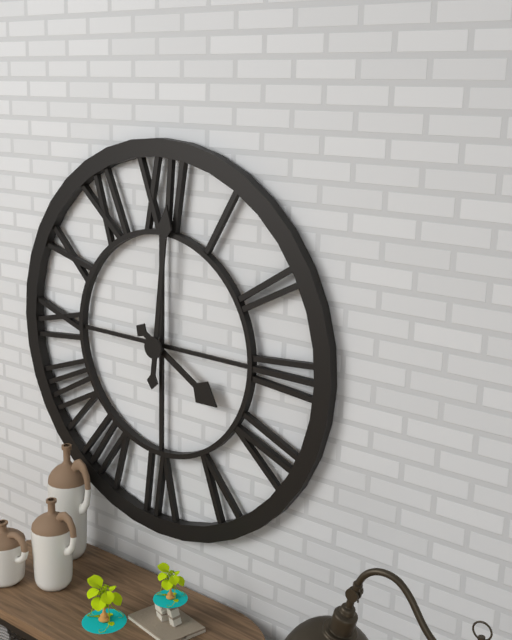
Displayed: 4h01
